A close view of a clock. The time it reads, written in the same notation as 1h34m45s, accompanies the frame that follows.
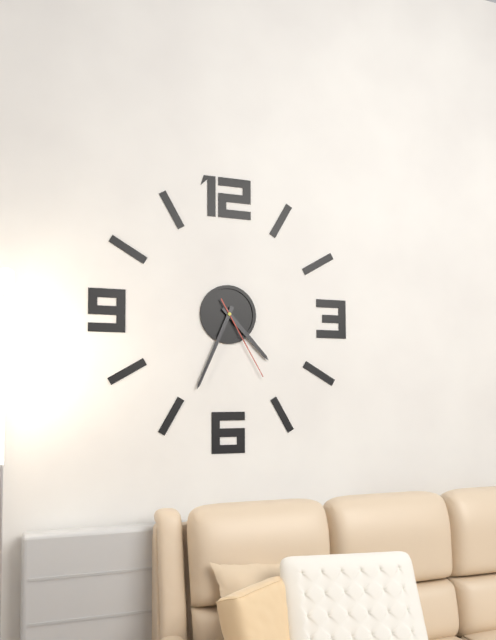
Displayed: 4h34m25s
